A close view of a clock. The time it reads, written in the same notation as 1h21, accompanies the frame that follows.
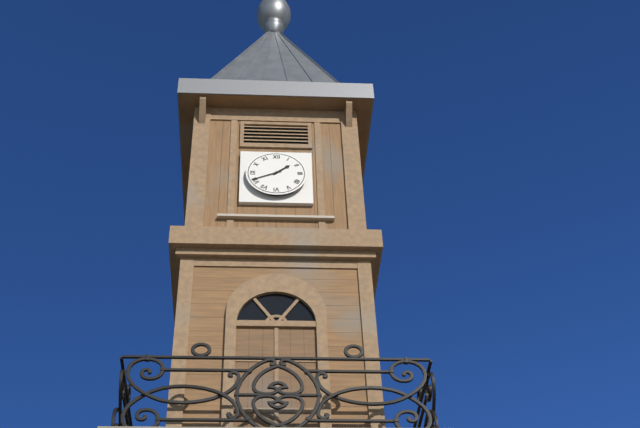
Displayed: 1h41
